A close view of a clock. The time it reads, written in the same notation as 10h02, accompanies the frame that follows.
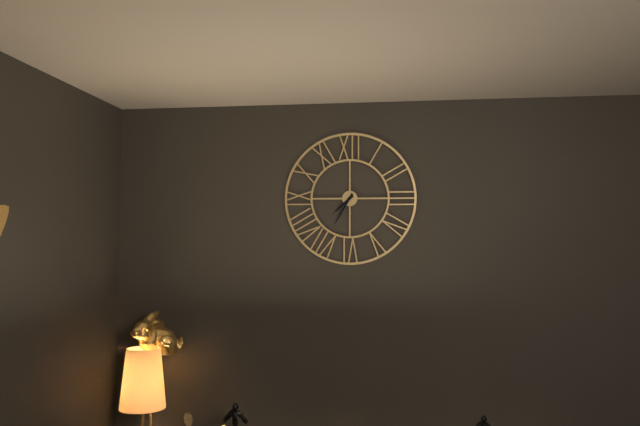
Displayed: 7h35
